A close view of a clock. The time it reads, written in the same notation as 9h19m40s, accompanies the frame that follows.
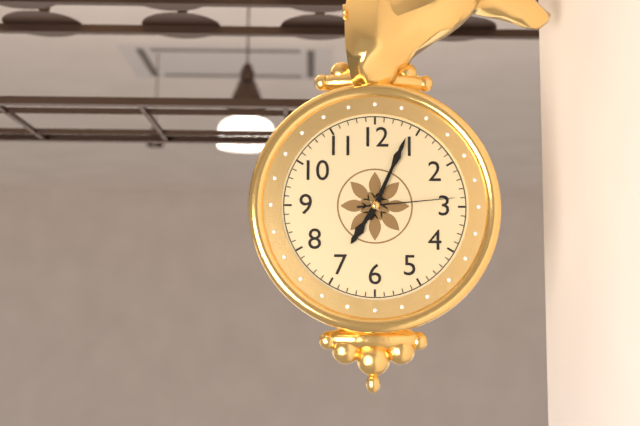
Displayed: 7h04m14s
